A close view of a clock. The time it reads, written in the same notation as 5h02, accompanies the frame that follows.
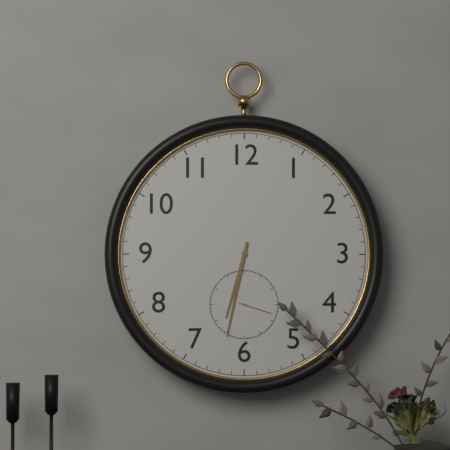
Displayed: 6h32
